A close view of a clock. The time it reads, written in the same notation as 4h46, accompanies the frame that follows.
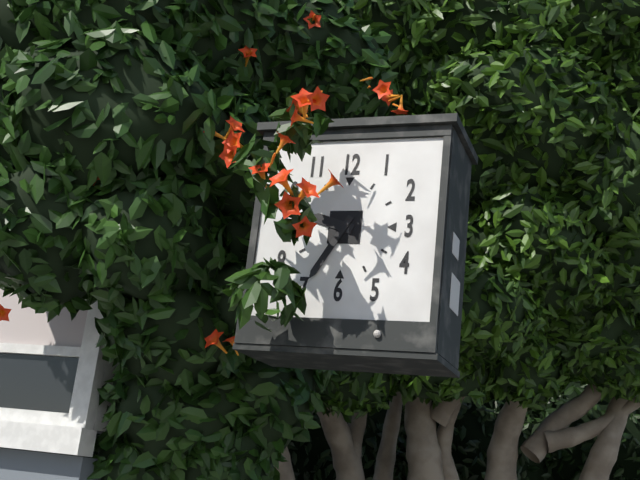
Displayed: 9h35
